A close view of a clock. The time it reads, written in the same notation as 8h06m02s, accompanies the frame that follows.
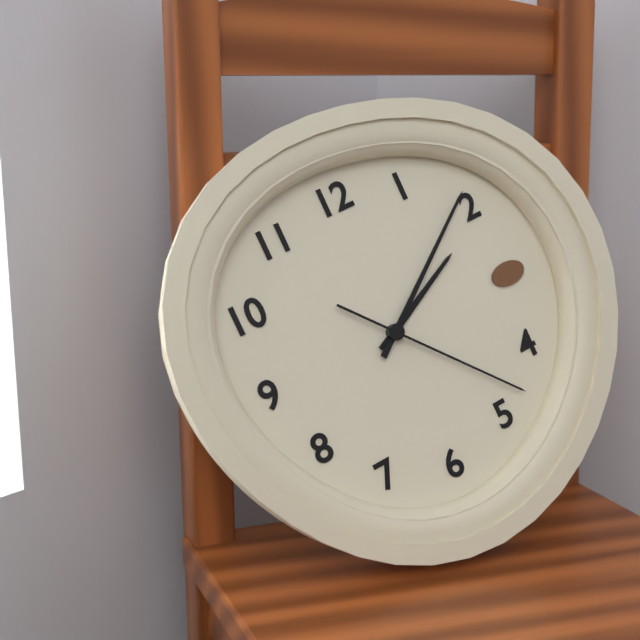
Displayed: 2h09m23s
